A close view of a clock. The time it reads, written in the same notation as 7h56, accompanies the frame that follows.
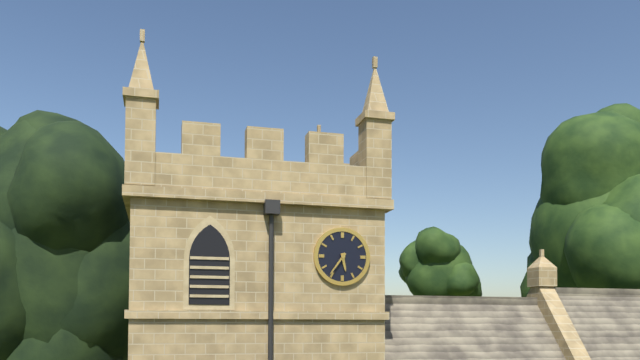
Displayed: 5h36
